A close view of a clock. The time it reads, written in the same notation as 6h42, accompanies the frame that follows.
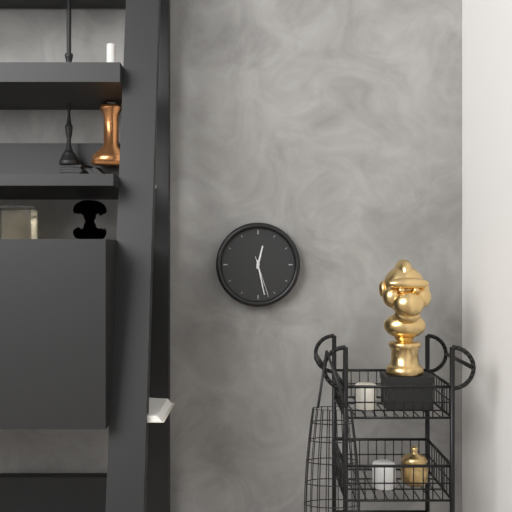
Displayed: 12h28
